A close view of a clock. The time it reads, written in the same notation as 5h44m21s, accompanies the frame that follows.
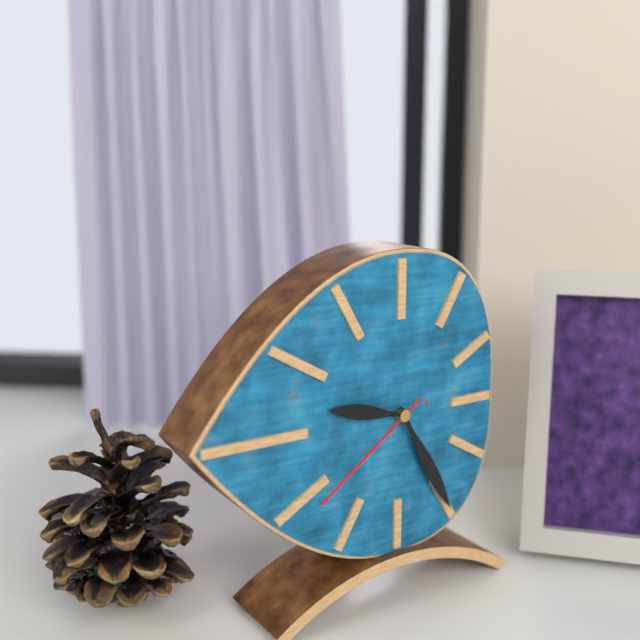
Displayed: 9h25m39s
